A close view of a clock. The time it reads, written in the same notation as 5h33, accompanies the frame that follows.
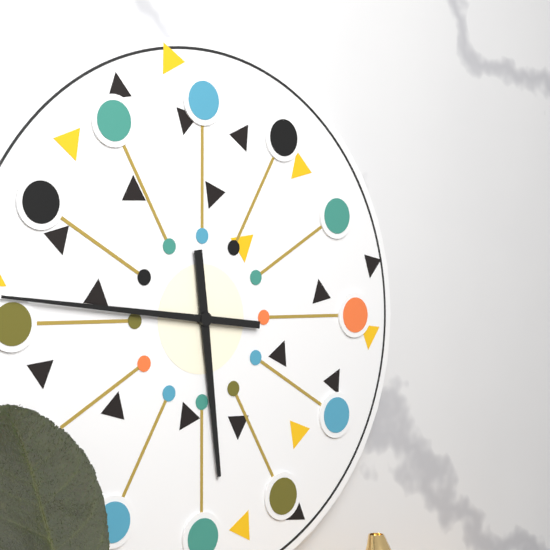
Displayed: 5h46
